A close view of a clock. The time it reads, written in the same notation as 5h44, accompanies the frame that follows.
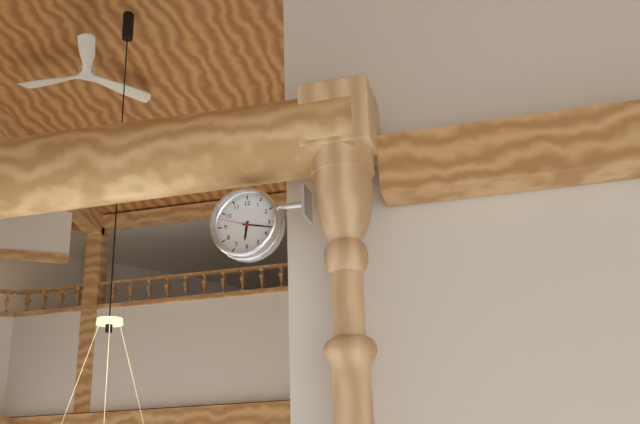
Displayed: 6h17
